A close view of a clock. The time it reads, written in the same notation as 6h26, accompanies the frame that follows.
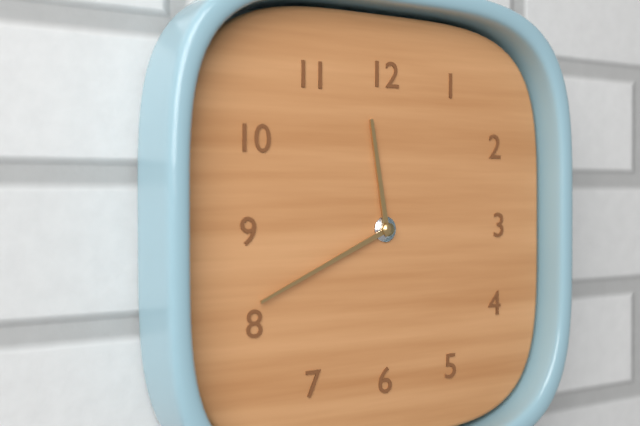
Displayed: 11h41
